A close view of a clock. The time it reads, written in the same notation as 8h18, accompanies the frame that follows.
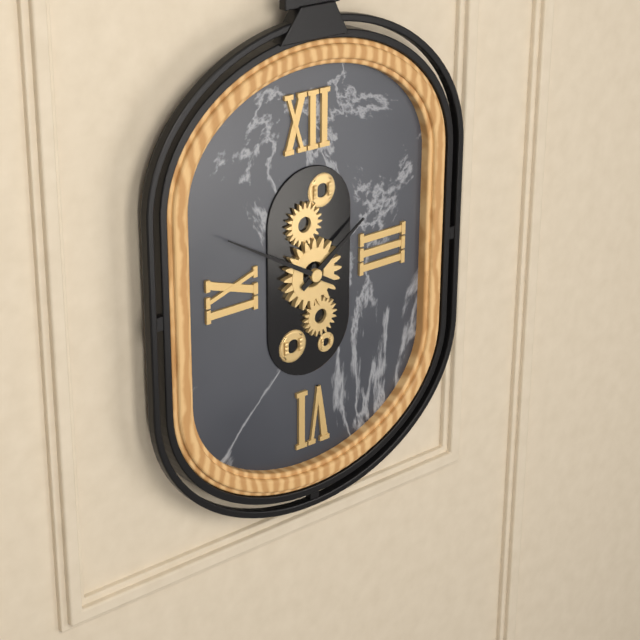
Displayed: 1h50
